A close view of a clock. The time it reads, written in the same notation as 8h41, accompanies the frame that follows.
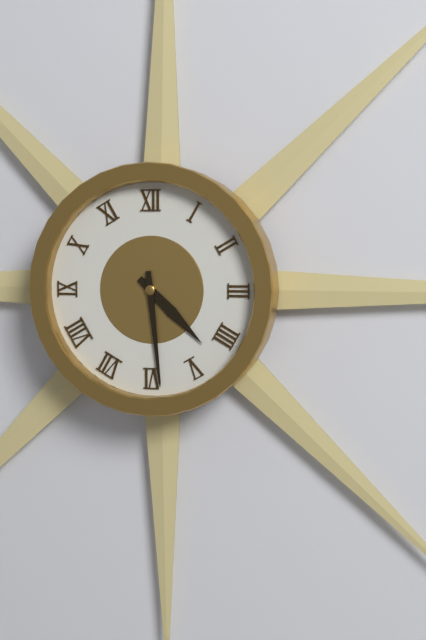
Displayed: 4h29
